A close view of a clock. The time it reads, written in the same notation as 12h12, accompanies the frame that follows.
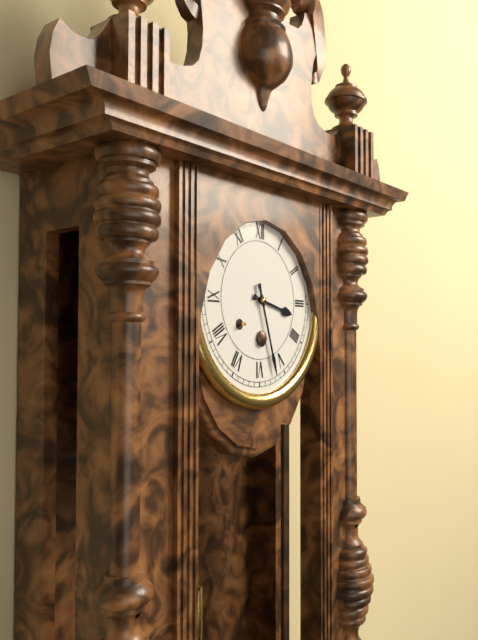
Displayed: 3h27
